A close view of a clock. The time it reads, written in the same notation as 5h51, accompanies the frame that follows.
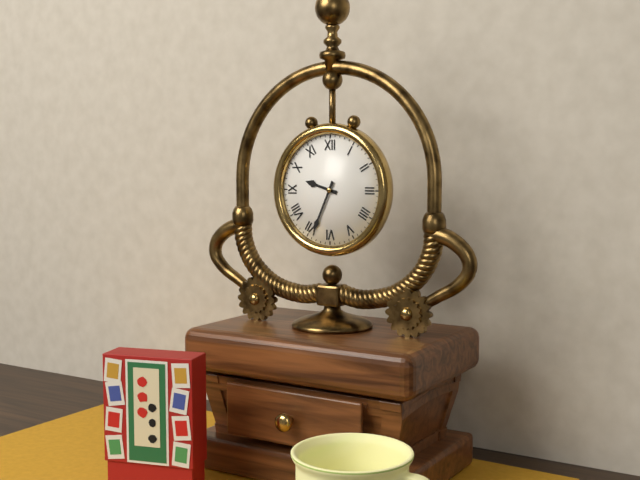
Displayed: 9h34
